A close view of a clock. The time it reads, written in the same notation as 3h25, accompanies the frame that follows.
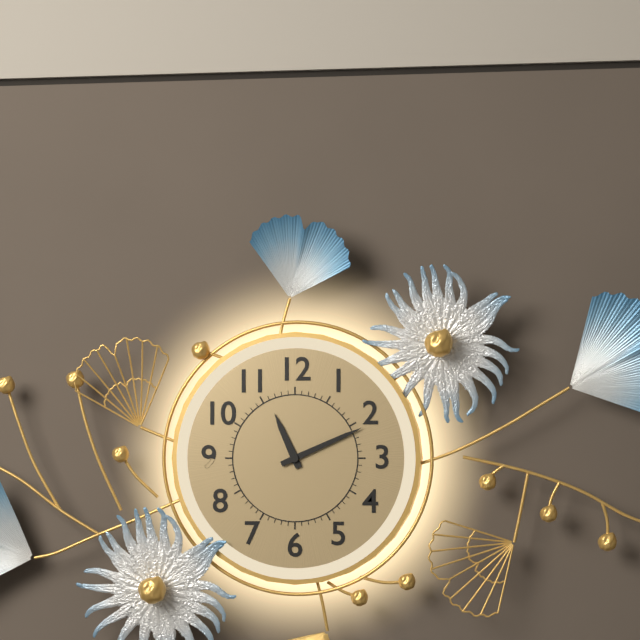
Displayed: 11h11
